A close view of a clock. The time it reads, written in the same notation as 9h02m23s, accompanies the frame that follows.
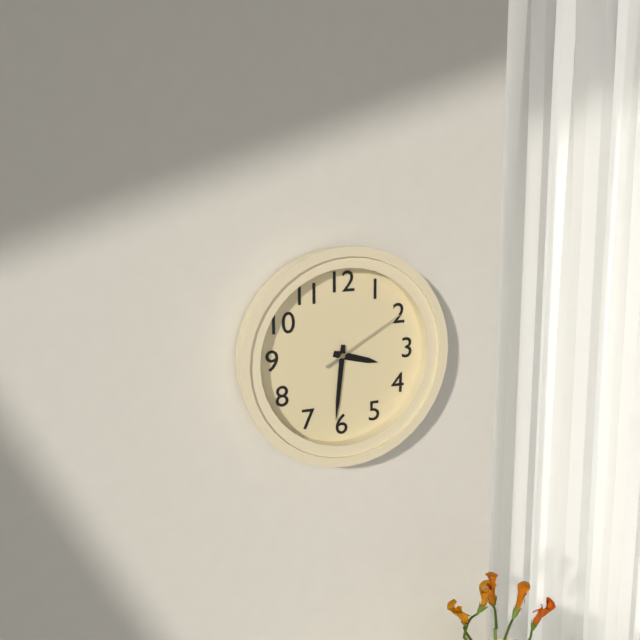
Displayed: 3h31m10s
